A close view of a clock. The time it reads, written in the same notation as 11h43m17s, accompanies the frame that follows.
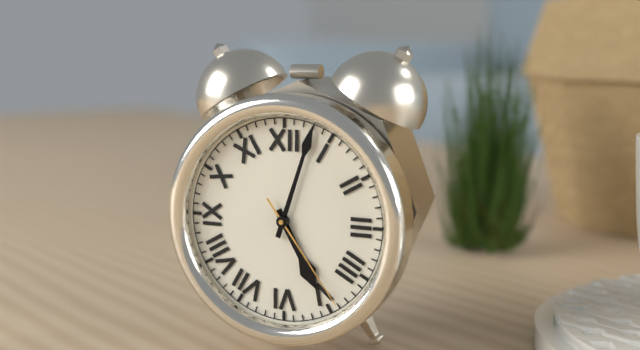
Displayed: 5h03m24s
